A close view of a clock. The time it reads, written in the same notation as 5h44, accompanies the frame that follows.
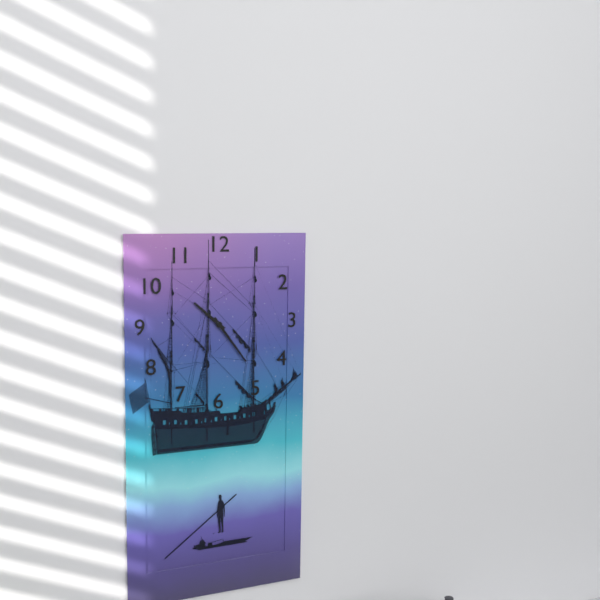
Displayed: 10h24
